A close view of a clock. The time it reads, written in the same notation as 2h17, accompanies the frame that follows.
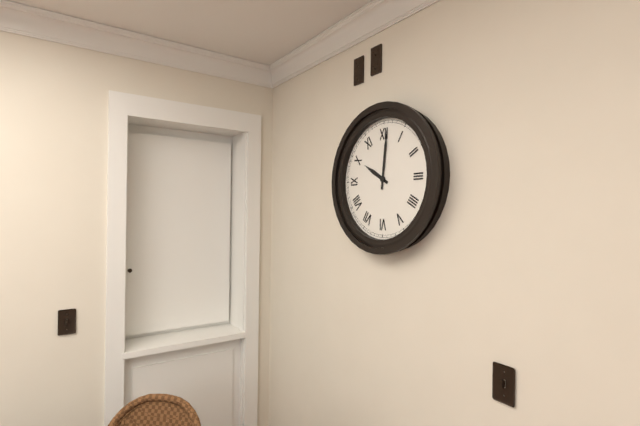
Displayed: 10h01
